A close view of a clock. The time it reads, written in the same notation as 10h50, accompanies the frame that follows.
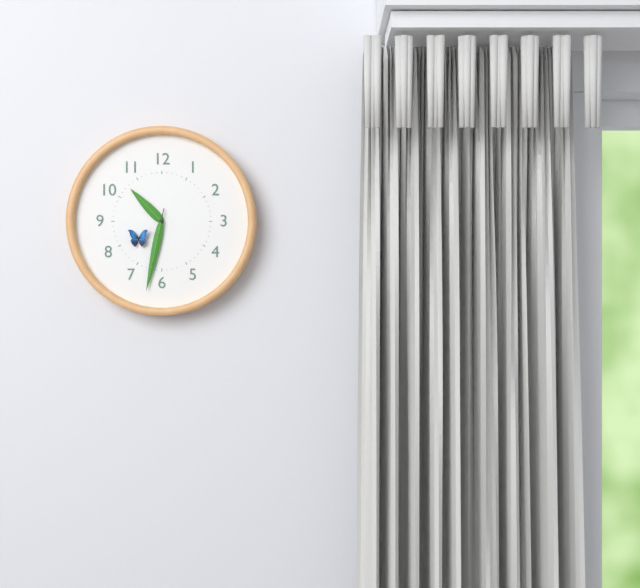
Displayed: 10h32
